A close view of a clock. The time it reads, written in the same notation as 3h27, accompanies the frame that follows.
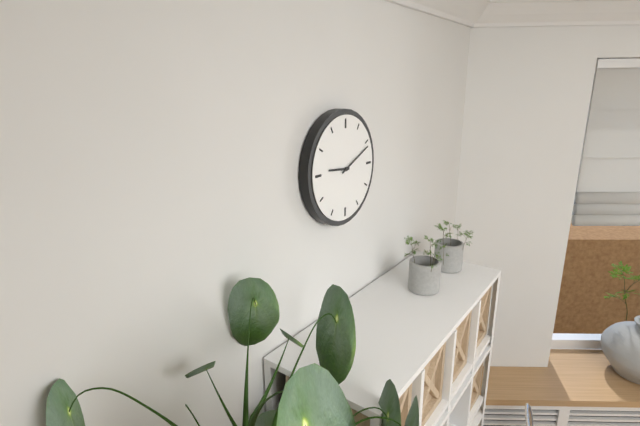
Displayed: 9h11
